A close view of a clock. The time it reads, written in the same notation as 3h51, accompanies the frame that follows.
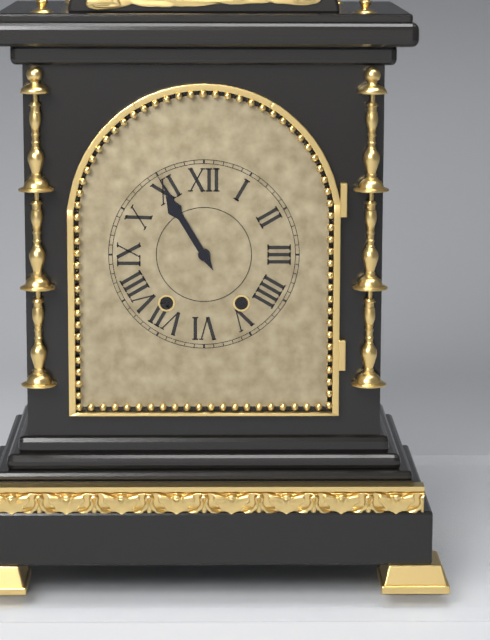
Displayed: 10h55
